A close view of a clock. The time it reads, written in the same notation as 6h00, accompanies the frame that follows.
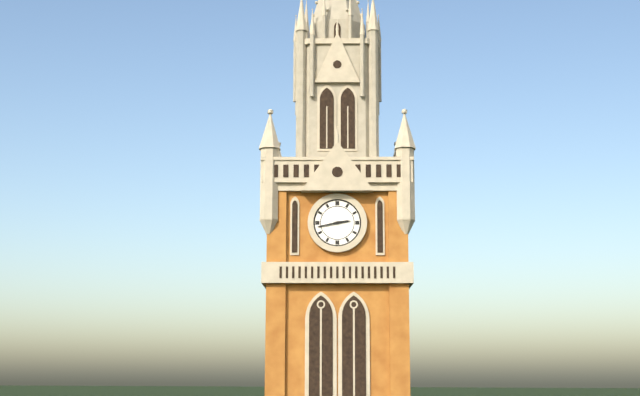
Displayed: 2h43
